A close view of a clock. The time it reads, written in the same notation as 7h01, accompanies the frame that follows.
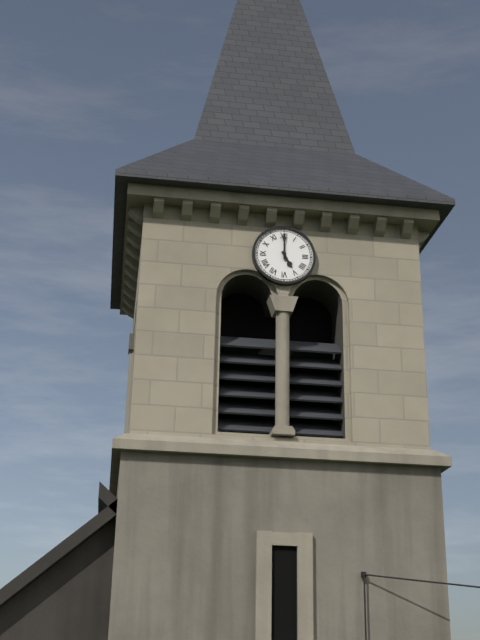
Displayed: 5h00
